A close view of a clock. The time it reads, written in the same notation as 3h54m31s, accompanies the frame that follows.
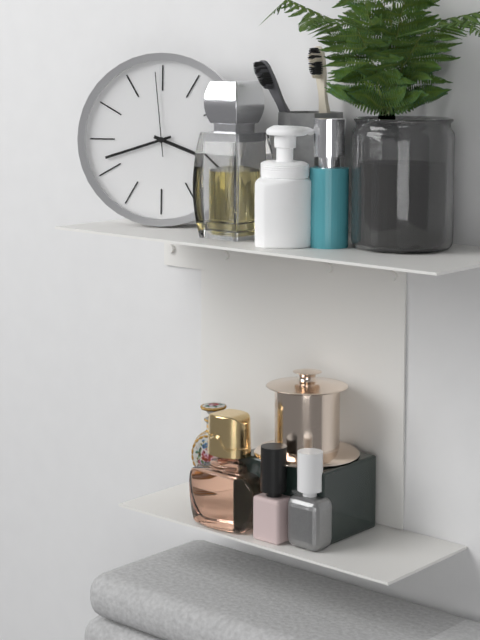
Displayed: 3h42m59s
